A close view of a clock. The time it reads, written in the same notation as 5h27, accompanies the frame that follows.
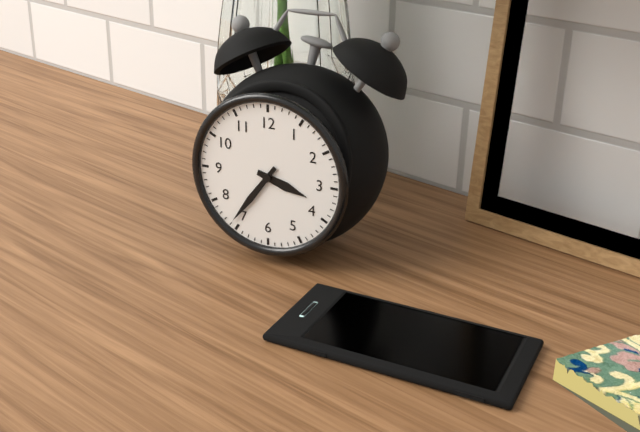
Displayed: 3h36
